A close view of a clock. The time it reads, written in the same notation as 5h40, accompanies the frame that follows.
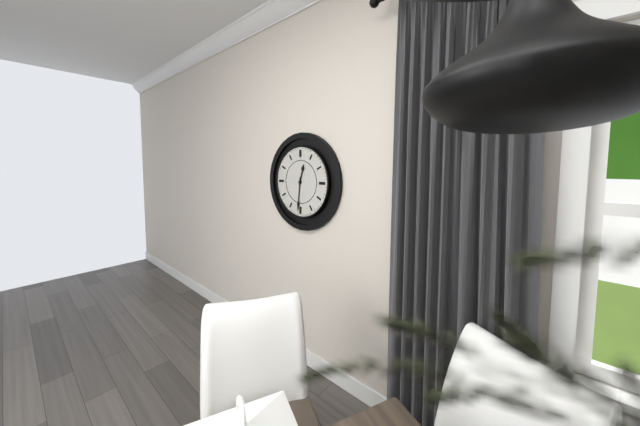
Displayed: 12h31
